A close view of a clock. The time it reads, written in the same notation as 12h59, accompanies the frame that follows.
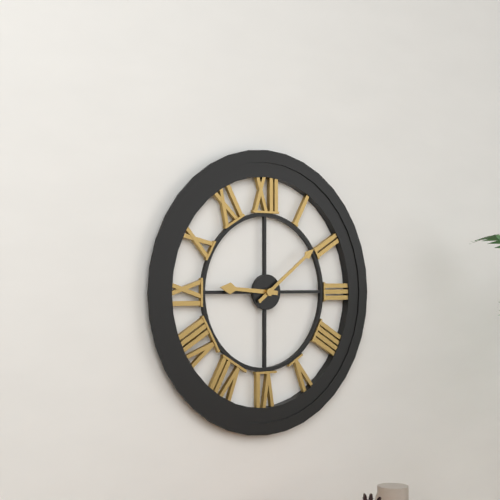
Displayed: 9h09
